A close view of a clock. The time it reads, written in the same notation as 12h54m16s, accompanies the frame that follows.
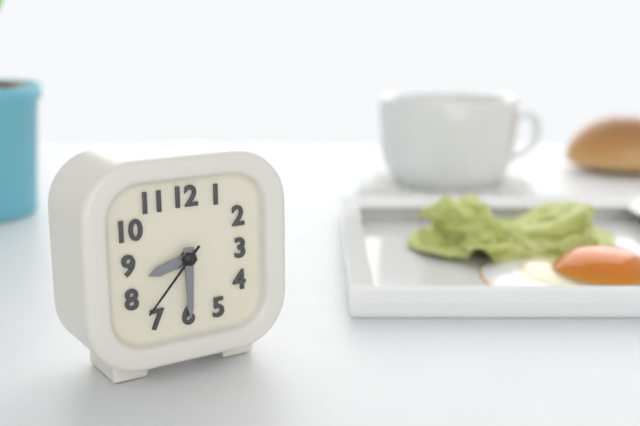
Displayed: 8h30m37s
